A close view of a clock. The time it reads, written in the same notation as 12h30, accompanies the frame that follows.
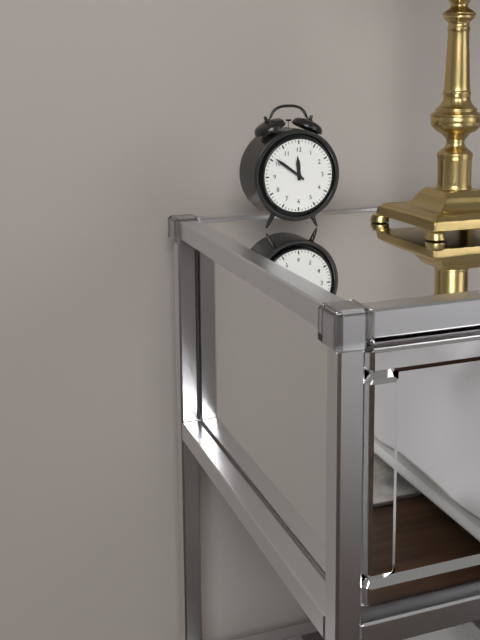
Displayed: 11h51
